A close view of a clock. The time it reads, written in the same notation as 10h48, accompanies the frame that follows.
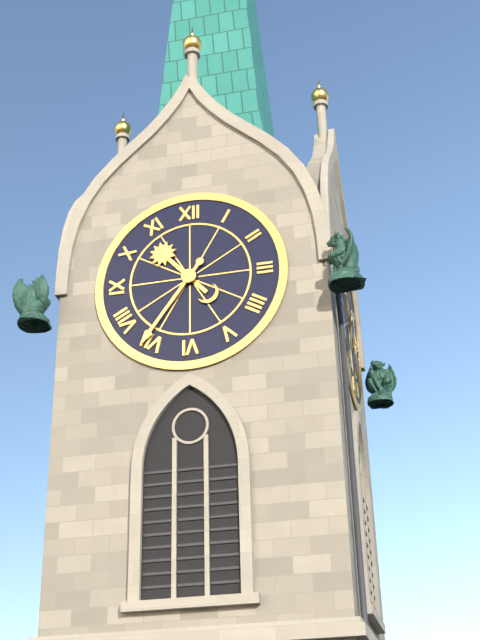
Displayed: 10h36
